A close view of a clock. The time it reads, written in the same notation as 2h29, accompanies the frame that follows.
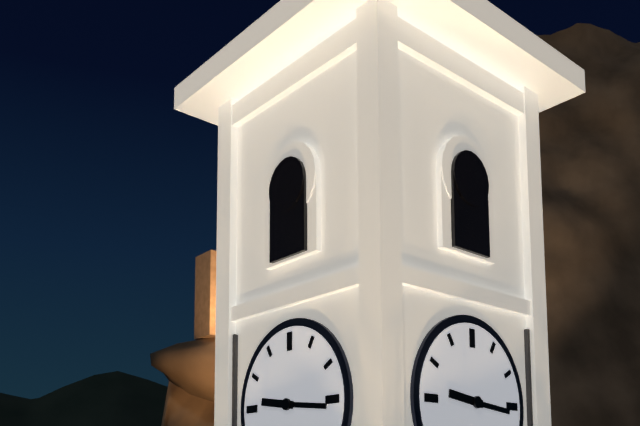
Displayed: 9h16
